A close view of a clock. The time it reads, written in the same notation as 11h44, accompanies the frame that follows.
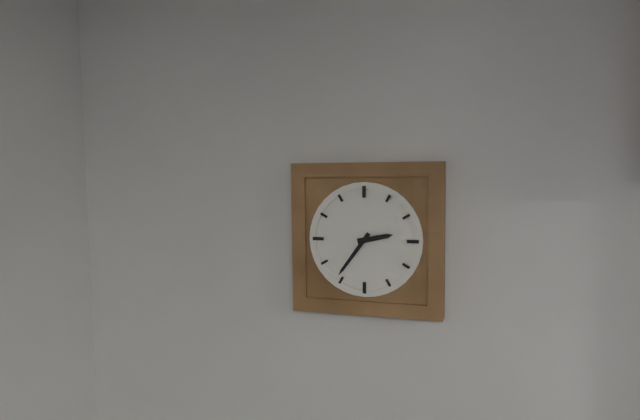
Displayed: 2h36
